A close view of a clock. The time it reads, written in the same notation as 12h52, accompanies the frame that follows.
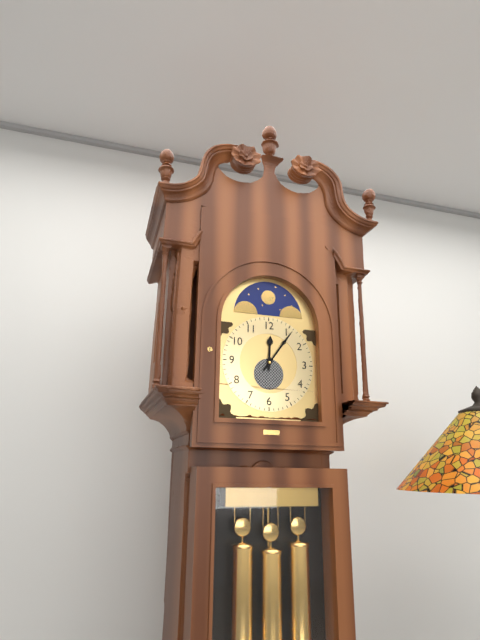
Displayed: 12h06
